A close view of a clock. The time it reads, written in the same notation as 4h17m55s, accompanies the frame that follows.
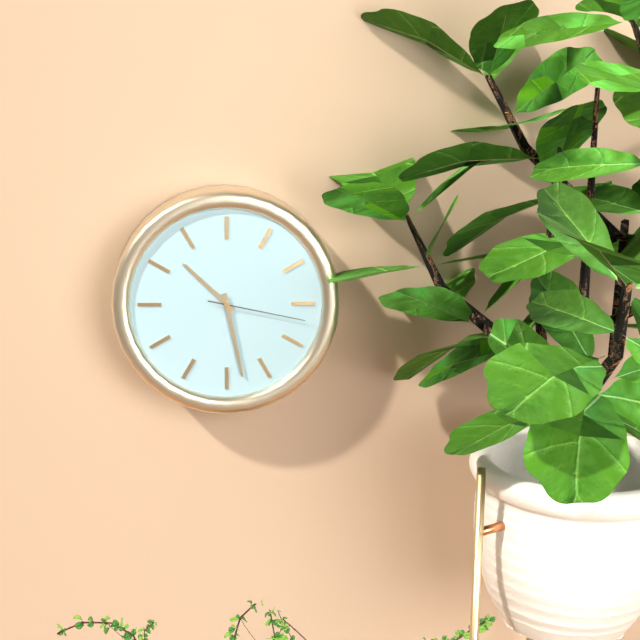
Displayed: 10h28m17s
